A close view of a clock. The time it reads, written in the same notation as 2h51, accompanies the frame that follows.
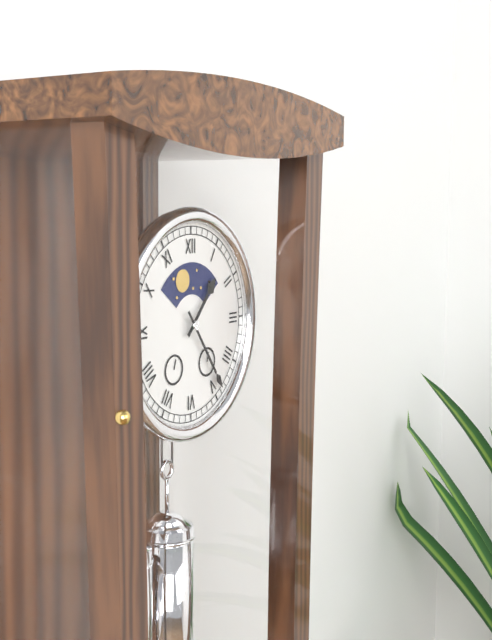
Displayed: 1h24
